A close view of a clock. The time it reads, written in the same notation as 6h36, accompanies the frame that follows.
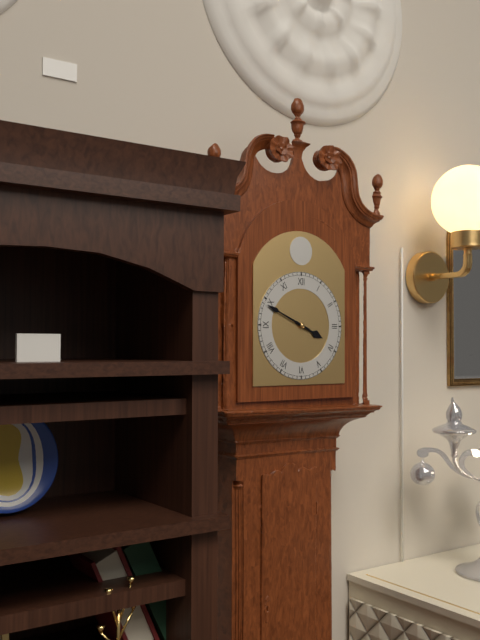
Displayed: 3h49
